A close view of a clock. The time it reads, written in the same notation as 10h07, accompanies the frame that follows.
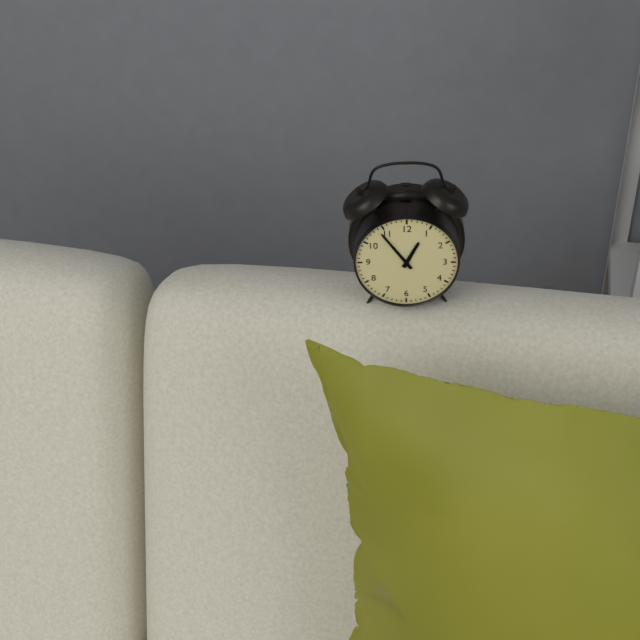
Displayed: 12h54
